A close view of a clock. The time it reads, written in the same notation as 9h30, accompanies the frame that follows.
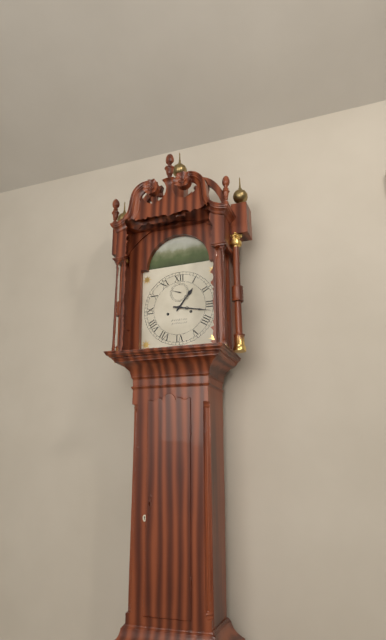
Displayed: 1h17
